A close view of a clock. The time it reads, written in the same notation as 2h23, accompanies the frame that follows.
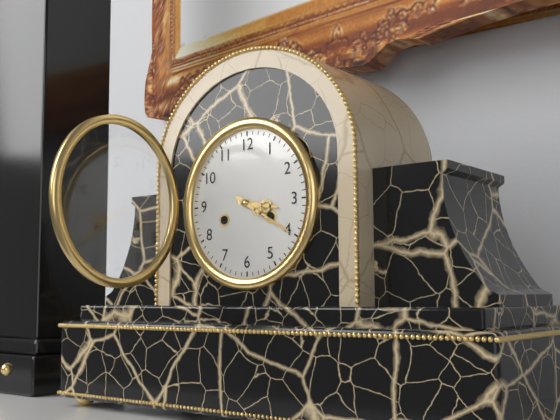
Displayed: 3h20
